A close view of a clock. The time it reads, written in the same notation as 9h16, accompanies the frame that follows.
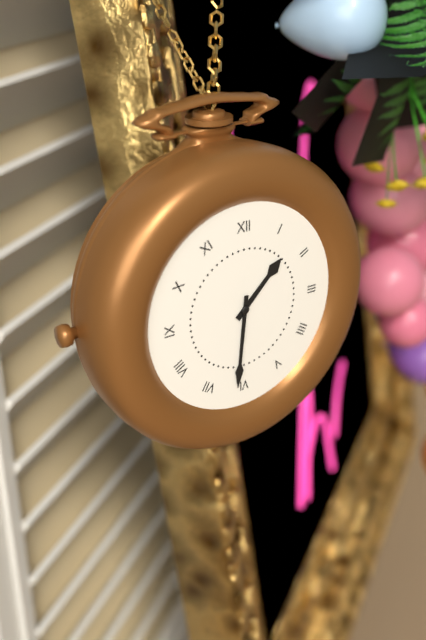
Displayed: 1h31
